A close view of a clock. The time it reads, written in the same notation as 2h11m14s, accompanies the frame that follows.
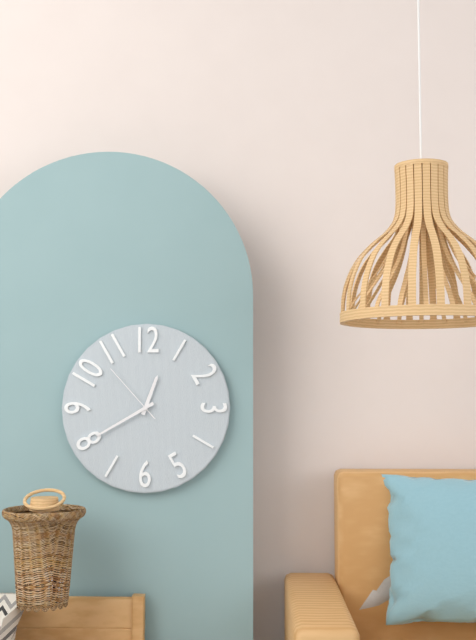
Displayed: 12h40m53s
